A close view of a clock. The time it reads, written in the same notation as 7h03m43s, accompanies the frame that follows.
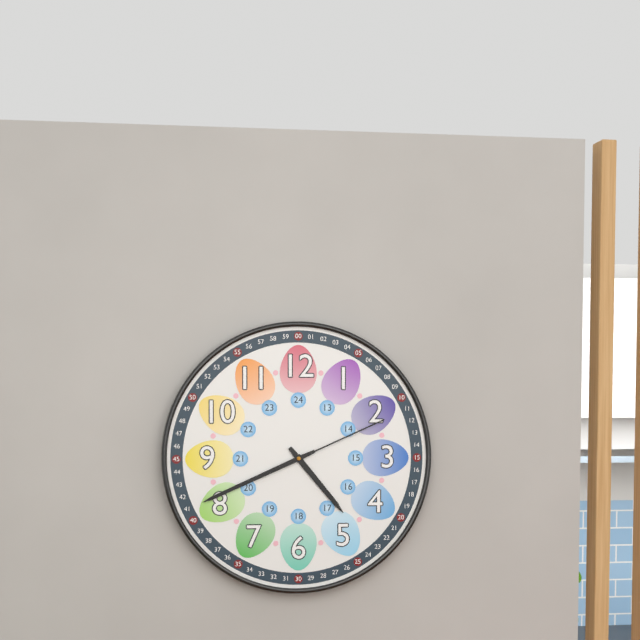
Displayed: 4h41m11s
